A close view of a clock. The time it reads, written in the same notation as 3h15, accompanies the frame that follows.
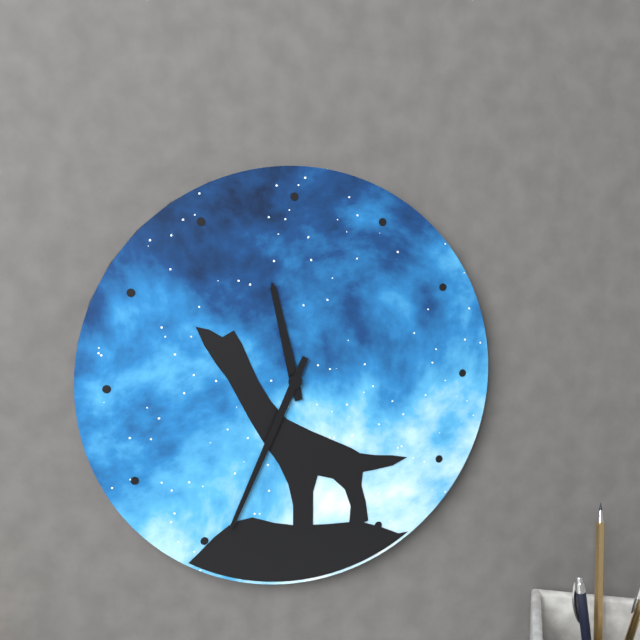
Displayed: 11h34
